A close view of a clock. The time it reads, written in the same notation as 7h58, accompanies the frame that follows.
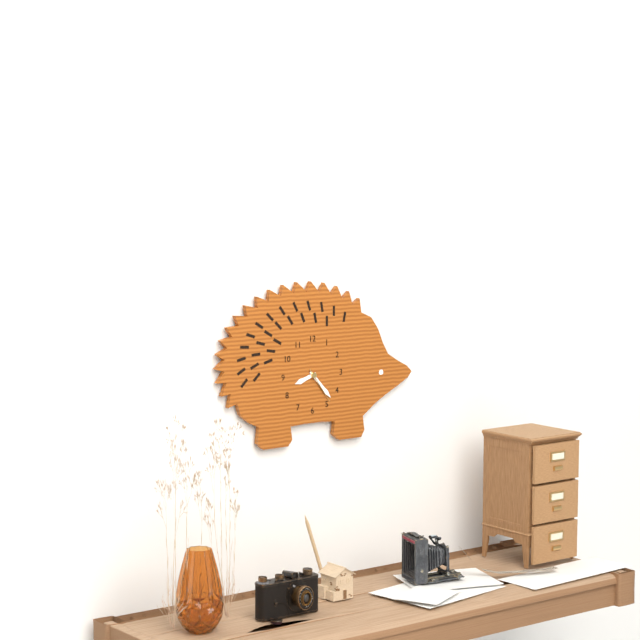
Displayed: 8h23
